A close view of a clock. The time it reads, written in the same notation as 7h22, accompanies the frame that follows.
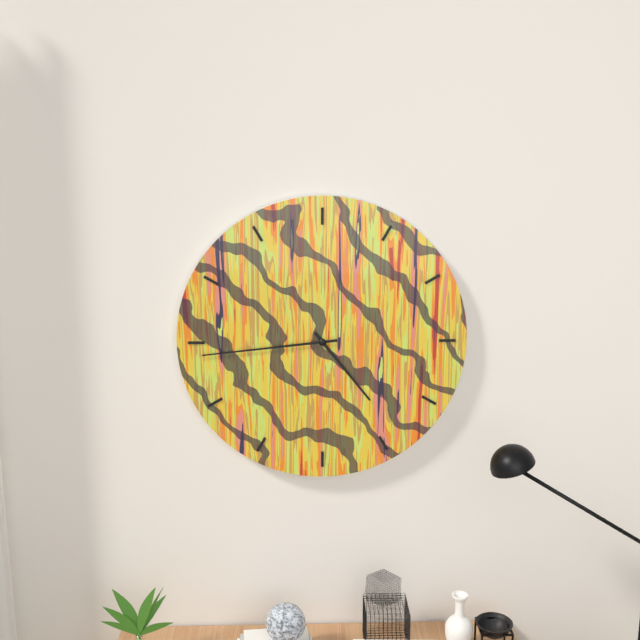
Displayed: 4h44
